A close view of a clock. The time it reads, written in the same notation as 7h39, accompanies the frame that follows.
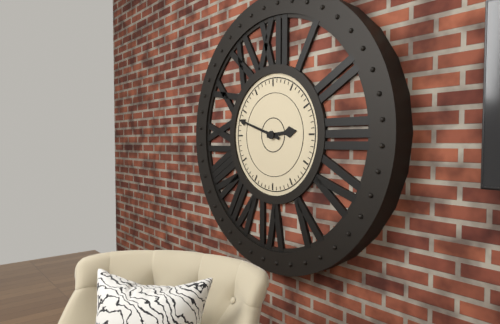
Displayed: 2h48
